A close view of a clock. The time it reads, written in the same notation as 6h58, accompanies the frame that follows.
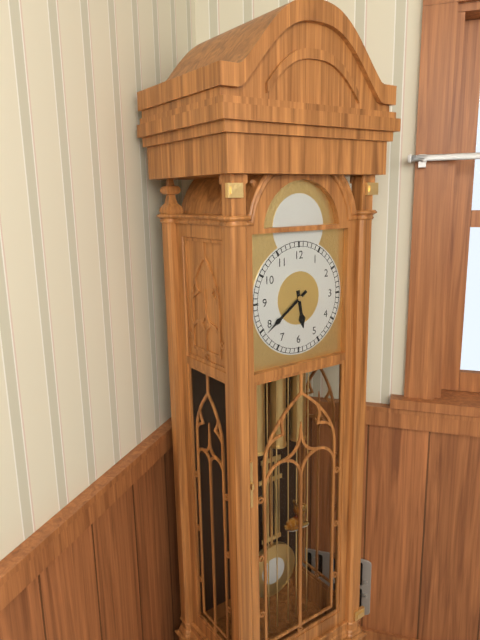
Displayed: 5h39
